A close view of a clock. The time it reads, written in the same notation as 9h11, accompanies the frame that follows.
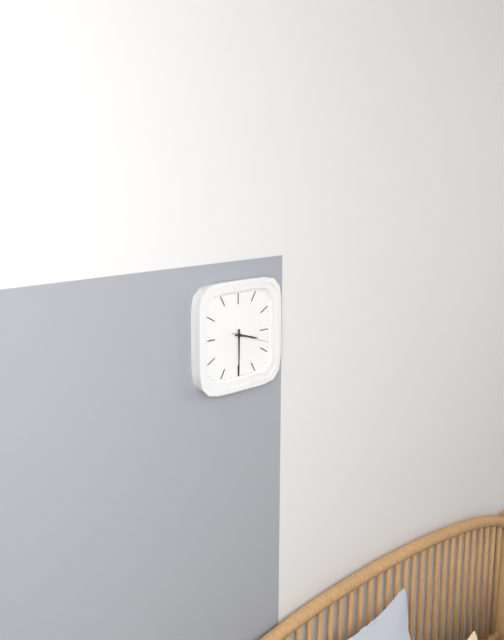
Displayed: 3h30
